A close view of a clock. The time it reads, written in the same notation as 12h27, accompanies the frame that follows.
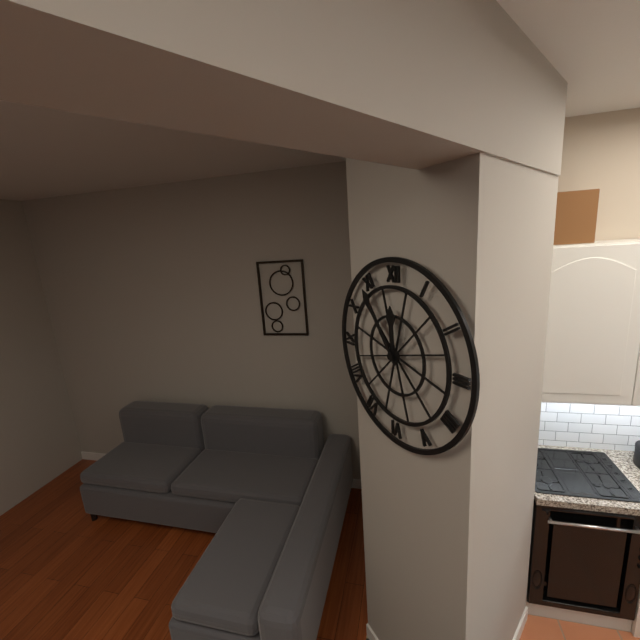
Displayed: 11h54
